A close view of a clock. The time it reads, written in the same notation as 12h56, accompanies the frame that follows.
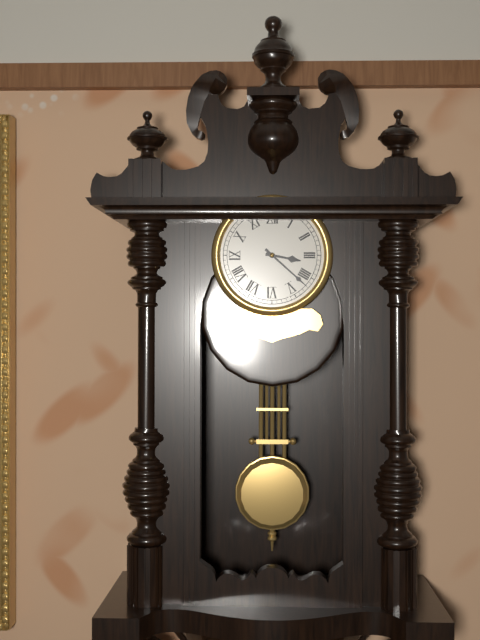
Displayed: 3h22
